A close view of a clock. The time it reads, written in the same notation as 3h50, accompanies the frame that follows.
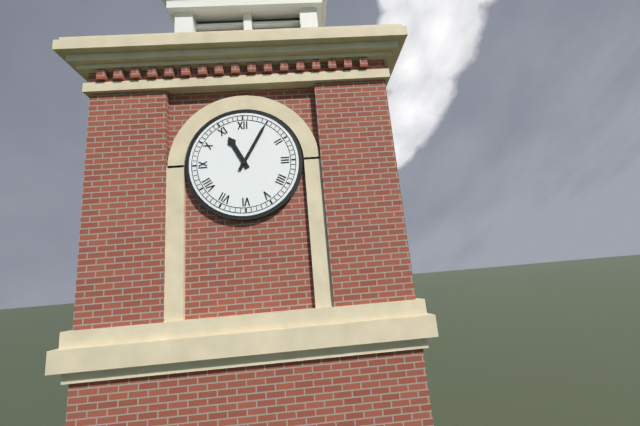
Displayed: 11h05
